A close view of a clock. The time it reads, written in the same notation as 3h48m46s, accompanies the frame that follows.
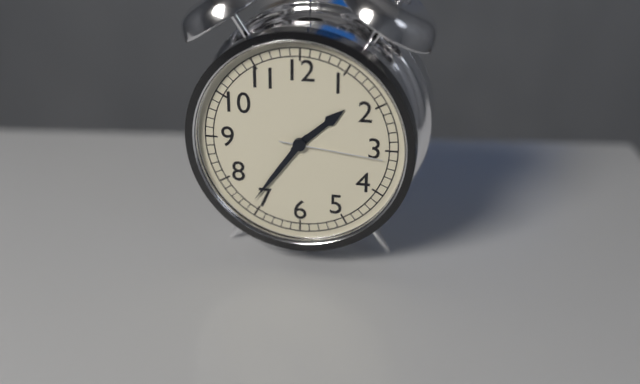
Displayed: 1h36m16s
